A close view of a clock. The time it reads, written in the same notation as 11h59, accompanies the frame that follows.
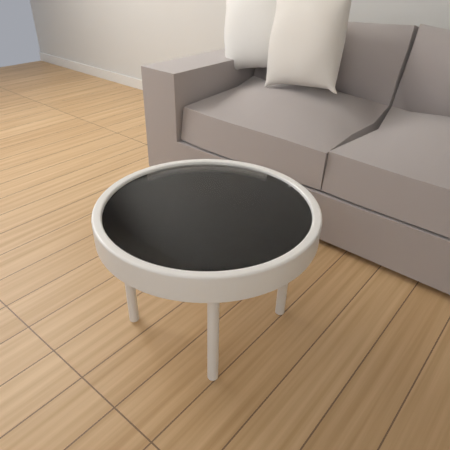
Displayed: 7h23
